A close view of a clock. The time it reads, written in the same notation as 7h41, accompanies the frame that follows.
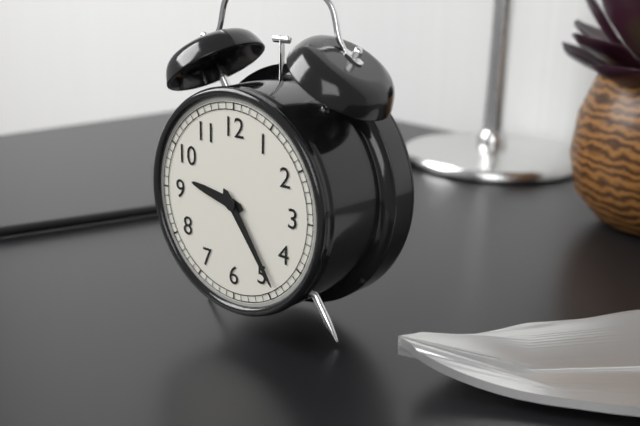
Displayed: 9h24
